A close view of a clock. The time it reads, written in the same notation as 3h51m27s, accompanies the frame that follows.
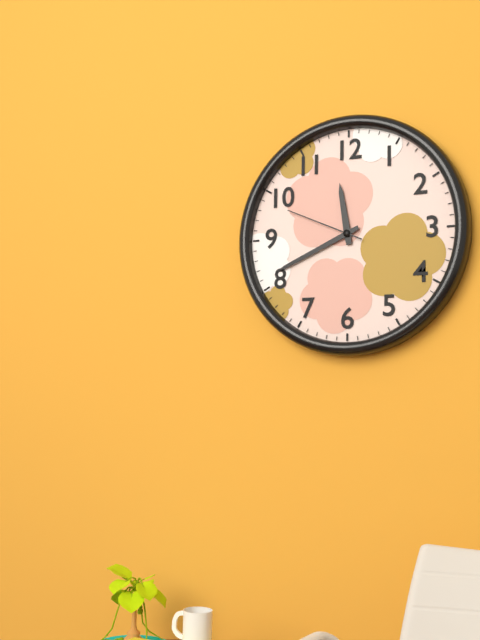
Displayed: 11h41m49s
